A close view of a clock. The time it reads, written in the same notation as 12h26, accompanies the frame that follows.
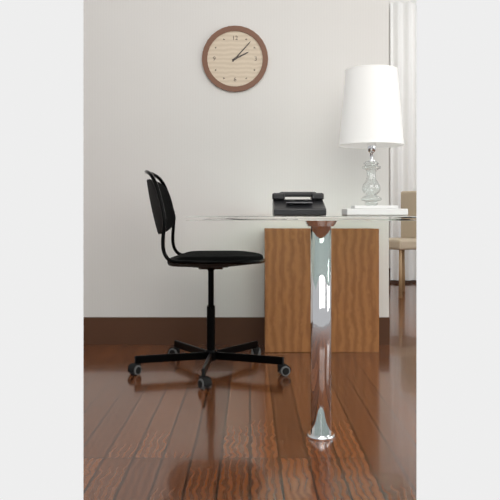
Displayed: 2h07
